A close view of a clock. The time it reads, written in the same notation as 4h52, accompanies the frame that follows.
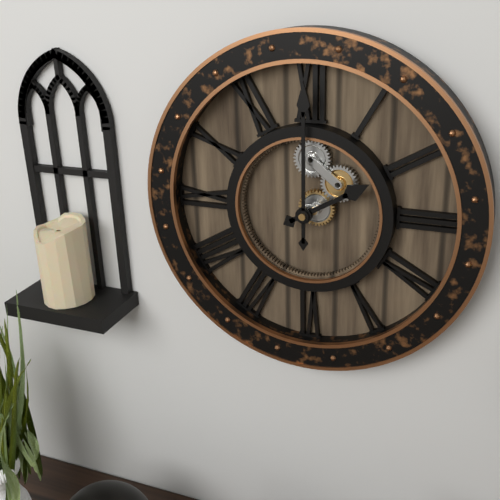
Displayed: 2h00
